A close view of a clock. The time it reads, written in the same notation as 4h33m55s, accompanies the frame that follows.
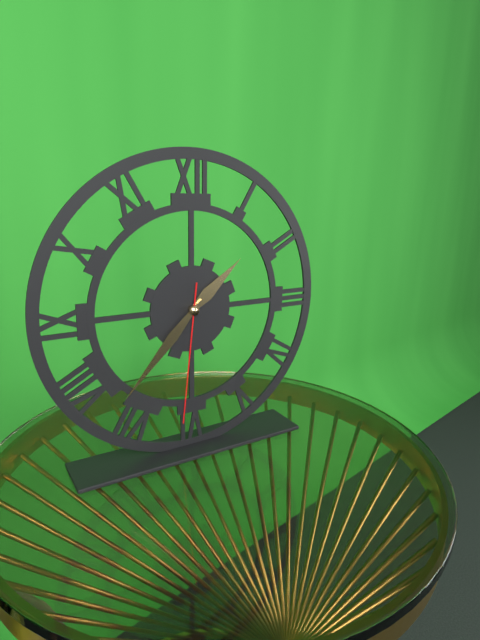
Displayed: 1h37m31s
